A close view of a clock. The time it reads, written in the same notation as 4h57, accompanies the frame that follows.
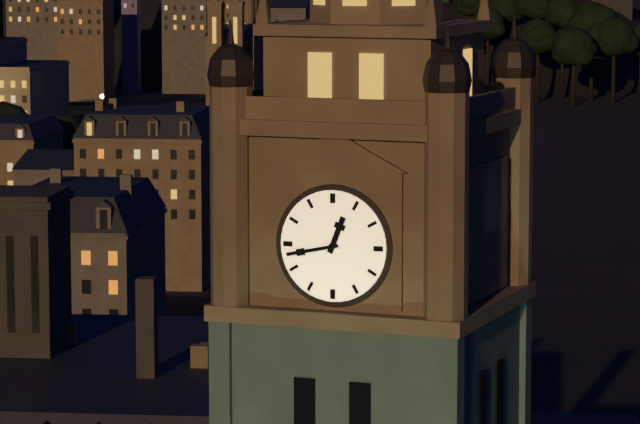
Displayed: 12h43
